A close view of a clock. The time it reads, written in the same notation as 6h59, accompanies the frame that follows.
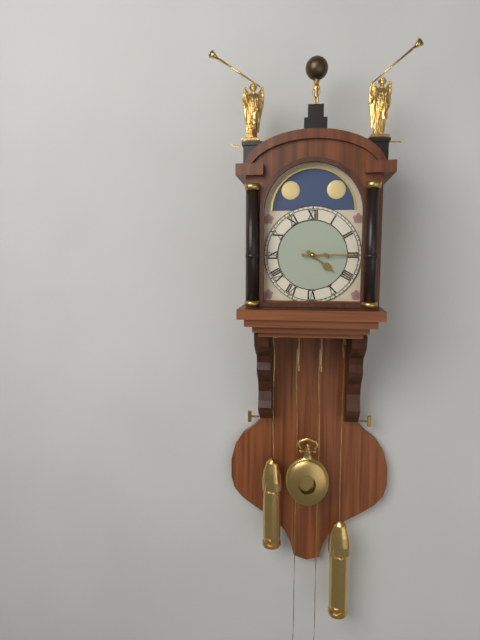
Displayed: 4h15
